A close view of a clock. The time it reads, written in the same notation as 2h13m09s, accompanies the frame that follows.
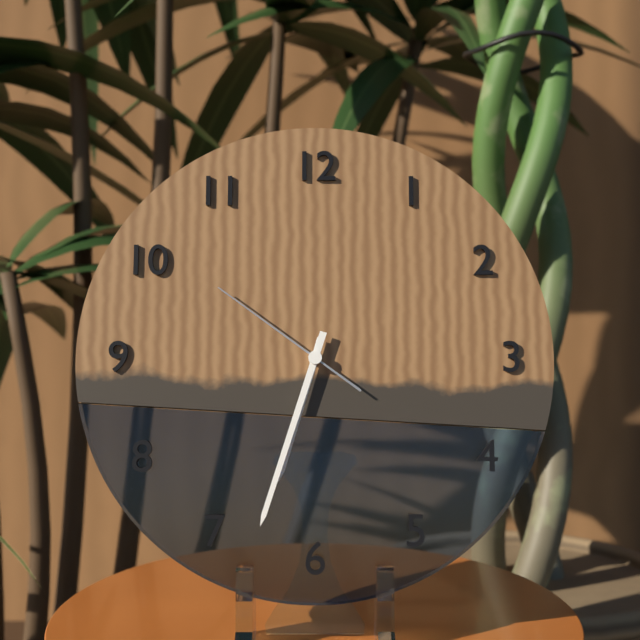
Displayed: 6h33m51s
